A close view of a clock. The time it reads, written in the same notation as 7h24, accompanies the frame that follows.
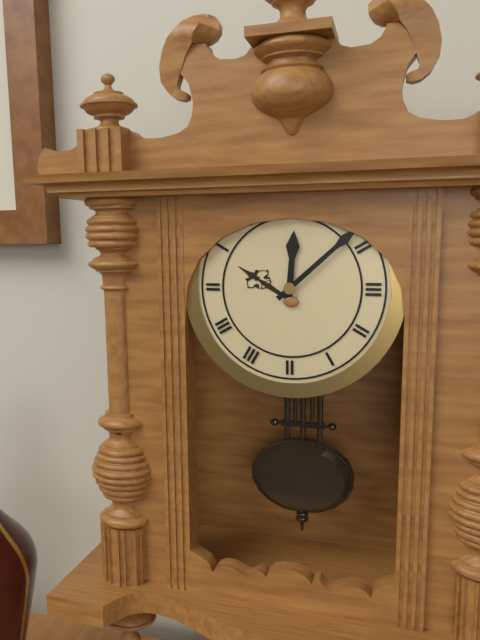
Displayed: 12h08
